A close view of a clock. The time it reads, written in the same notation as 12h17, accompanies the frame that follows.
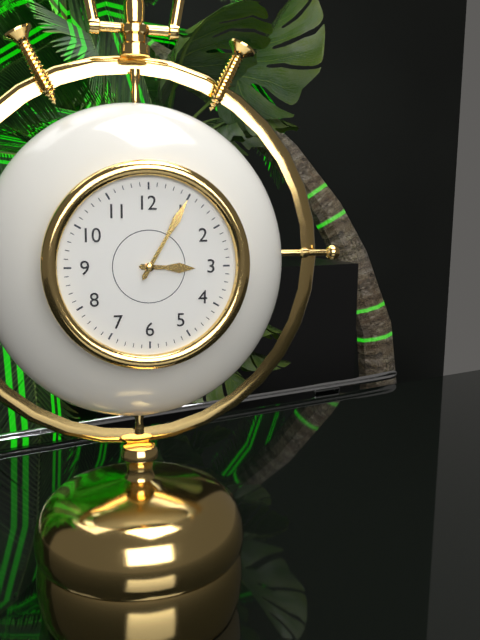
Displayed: 3h05
